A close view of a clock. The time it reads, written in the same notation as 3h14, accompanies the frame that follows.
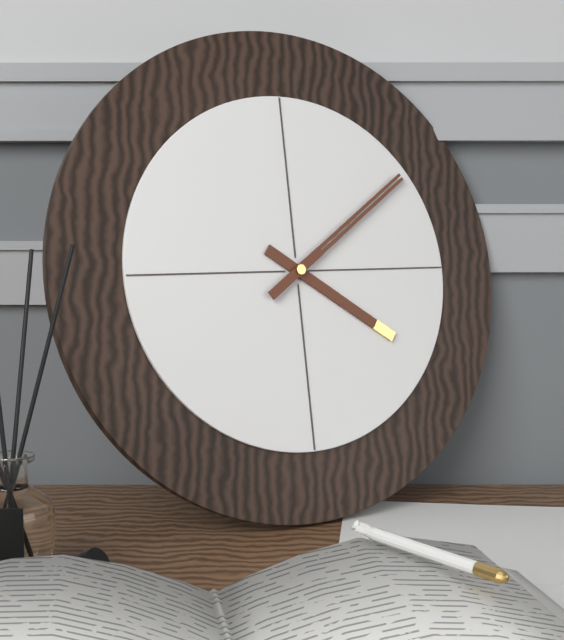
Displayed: 4h09
